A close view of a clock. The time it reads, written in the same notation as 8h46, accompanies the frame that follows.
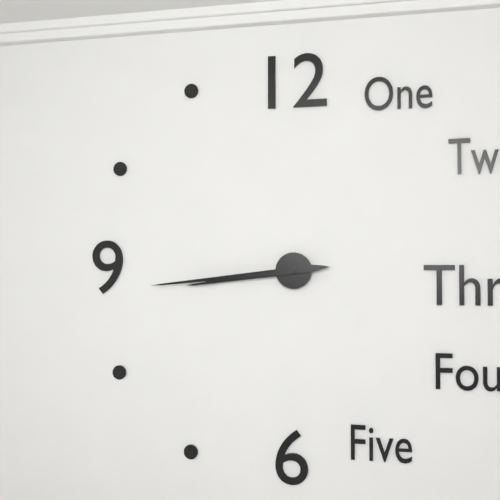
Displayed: 8h44
